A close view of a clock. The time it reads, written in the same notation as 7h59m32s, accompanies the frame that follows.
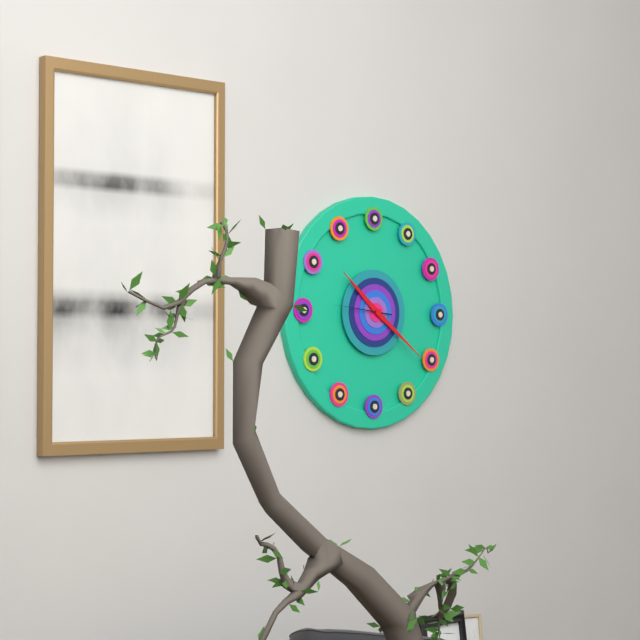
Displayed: 10h21m46s
